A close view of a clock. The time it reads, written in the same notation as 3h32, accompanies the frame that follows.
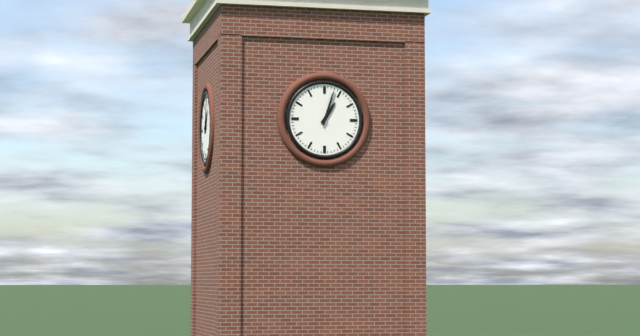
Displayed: 1h03
